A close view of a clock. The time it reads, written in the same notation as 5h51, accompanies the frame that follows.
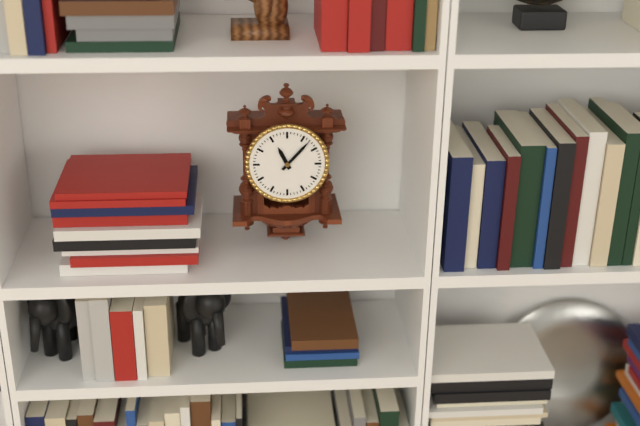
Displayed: 11h07
